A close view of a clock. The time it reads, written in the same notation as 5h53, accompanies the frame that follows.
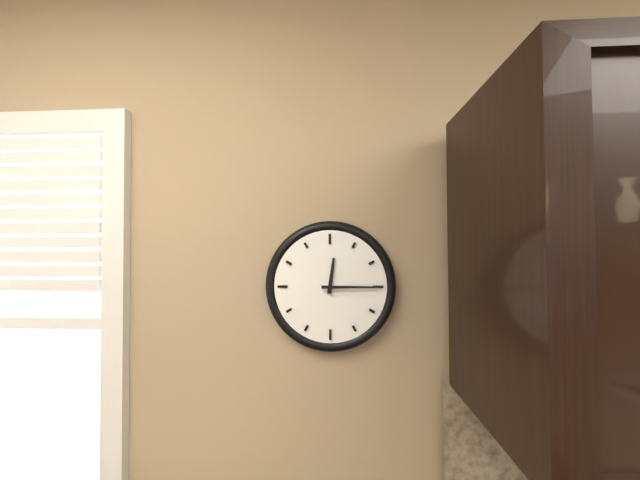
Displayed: 12h15
